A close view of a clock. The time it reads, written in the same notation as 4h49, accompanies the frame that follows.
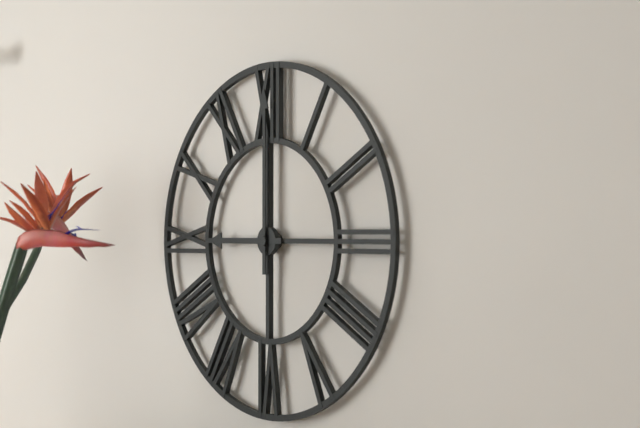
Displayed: 9h00
